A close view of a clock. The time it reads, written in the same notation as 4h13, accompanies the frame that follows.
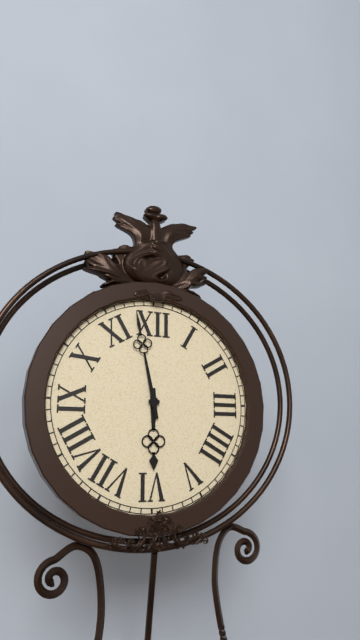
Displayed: 5h58
